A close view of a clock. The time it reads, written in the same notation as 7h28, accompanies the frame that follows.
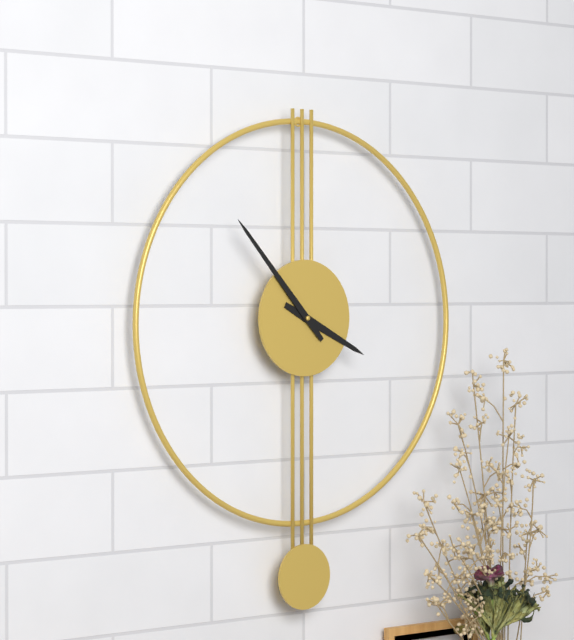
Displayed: 3h53
